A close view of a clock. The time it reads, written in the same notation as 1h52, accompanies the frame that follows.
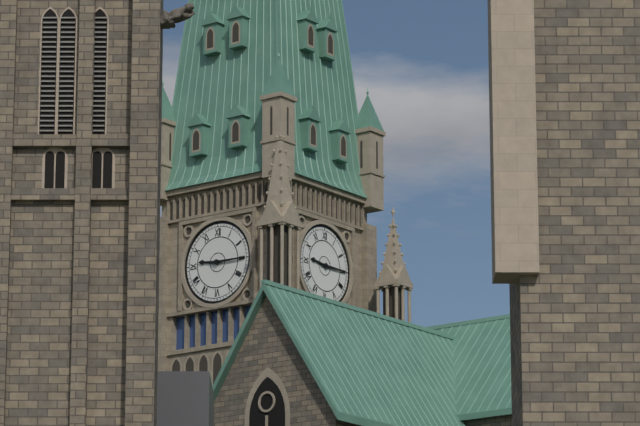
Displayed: 9h15
